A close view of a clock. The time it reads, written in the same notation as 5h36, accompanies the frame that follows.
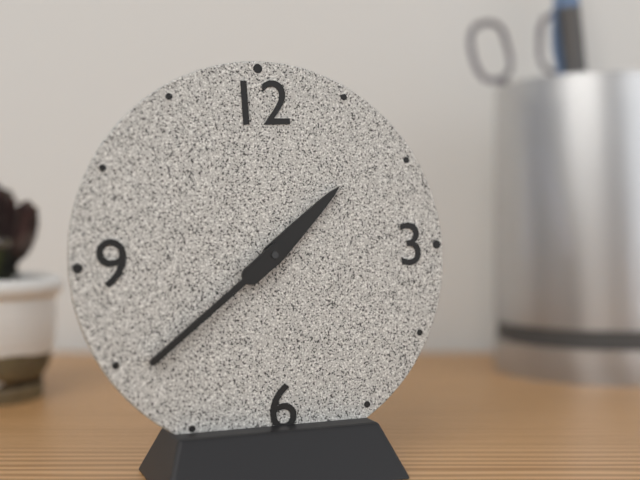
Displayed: 1h39
